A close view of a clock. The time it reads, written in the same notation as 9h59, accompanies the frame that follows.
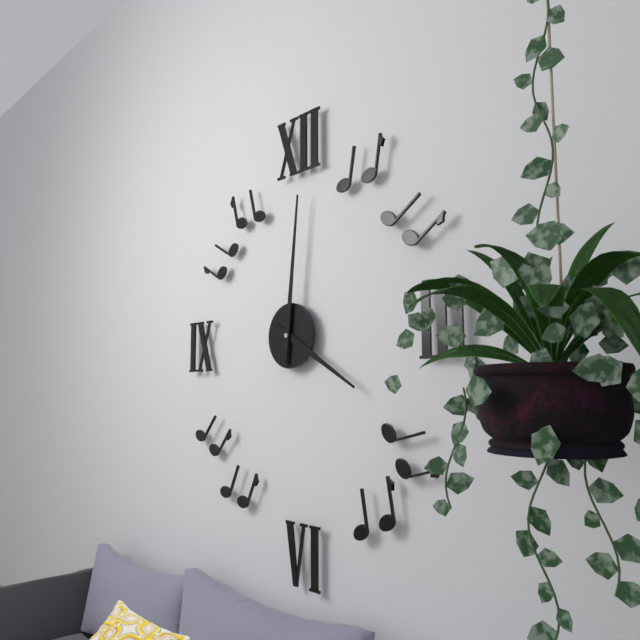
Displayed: 4h01
